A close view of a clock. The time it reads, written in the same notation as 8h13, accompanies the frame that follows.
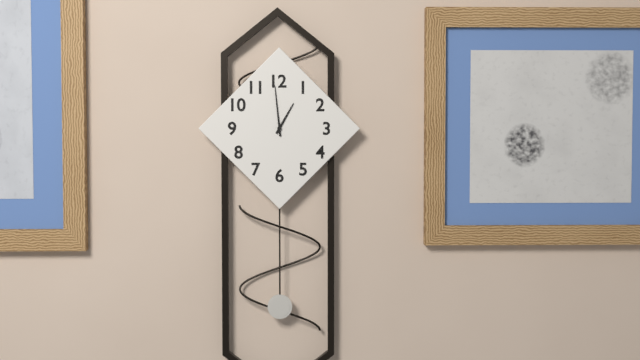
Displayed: 12h59
